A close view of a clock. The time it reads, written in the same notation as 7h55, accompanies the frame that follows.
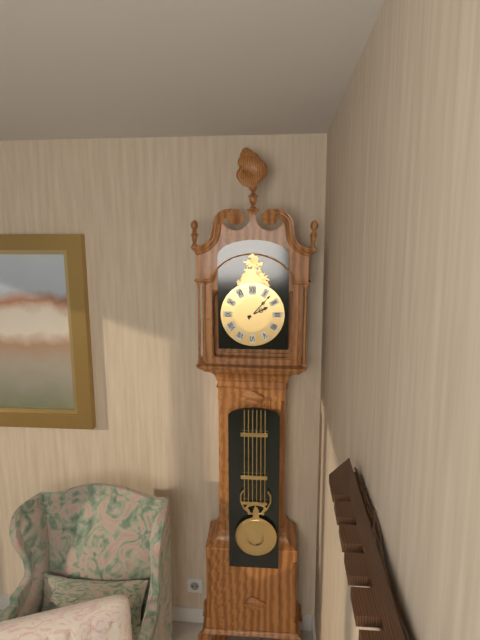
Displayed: 2h07
